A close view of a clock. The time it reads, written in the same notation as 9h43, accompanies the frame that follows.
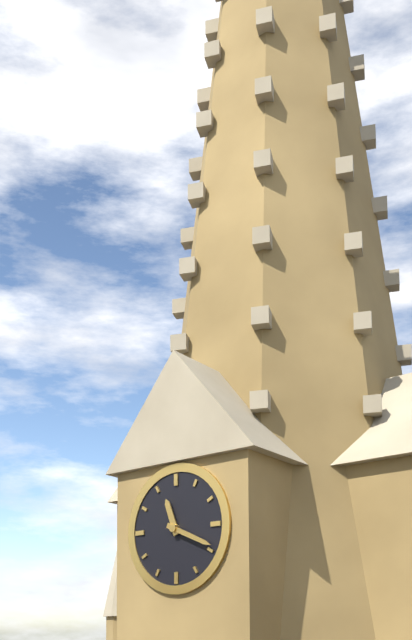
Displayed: 11h19
